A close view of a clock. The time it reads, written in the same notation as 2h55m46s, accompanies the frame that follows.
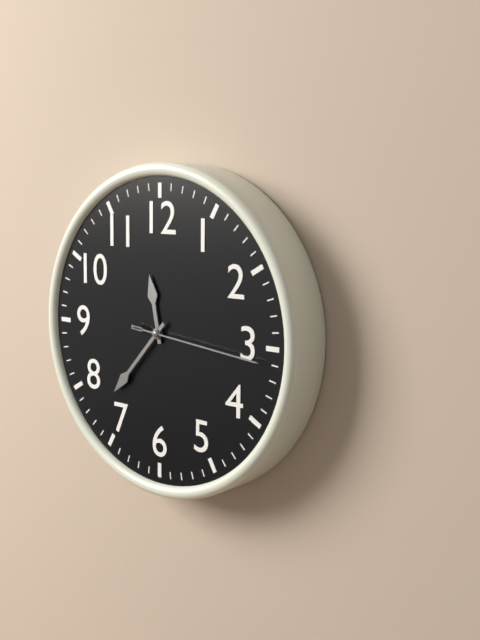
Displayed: 11h37m16s
